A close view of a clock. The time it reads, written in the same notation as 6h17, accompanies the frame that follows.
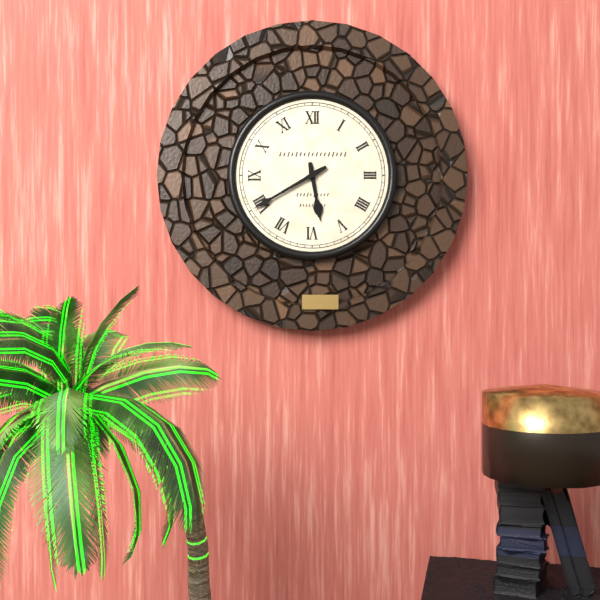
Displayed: 5h40
